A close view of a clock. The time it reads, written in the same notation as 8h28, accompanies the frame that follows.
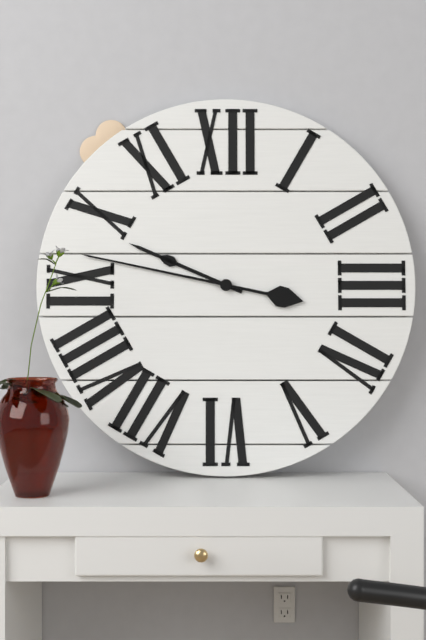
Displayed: 9h47
